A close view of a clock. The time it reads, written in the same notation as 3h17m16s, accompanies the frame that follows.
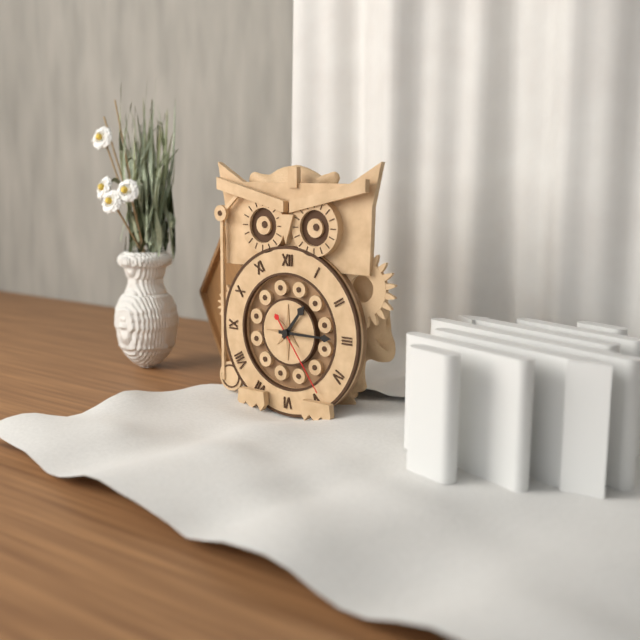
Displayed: 1h15m24s
